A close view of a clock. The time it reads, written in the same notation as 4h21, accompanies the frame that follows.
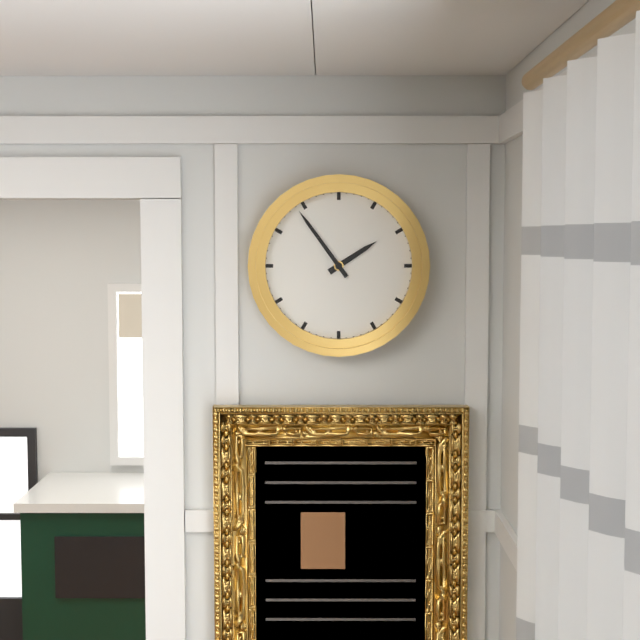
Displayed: 1h54
